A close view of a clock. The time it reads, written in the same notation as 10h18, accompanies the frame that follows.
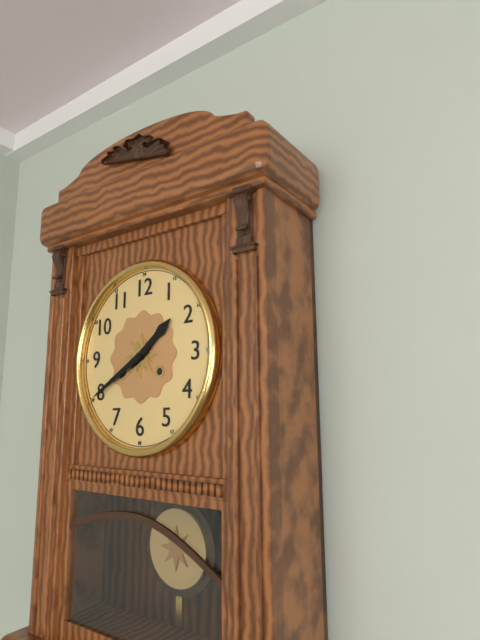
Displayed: 1h40
